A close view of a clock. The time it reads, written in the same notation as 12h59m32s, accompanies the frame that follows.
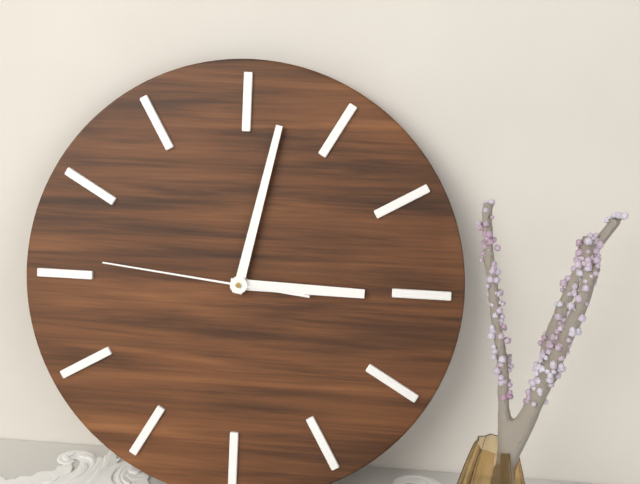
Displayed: 3h02m46s
